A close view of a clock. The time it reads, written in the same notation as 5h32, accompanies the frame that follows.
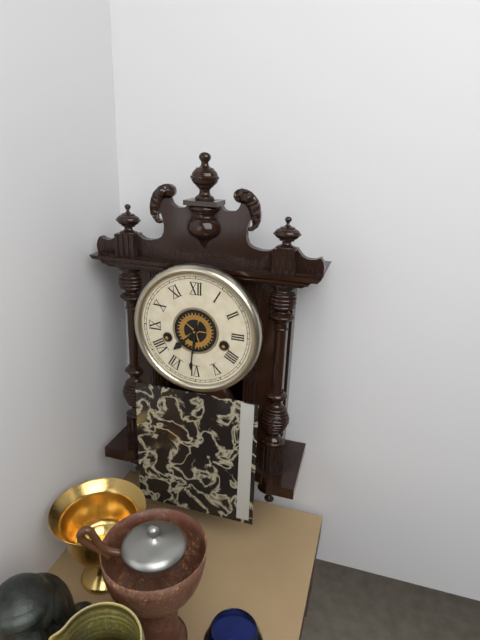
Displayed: 7h31
